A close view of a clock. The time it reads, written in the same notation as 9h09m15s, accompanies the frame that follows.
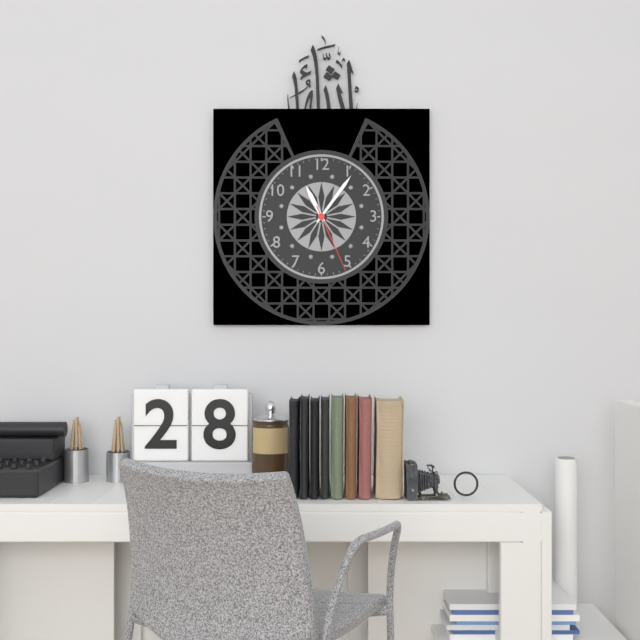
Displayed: 11h06m26s
